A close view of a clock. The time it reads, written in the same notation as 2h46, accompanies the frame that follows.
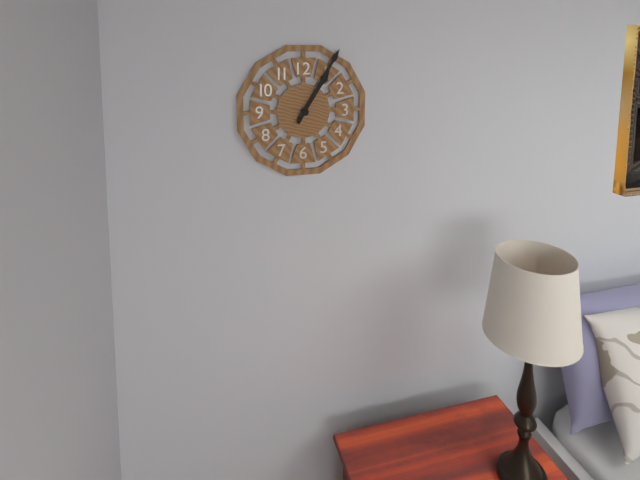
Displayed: 1h05
